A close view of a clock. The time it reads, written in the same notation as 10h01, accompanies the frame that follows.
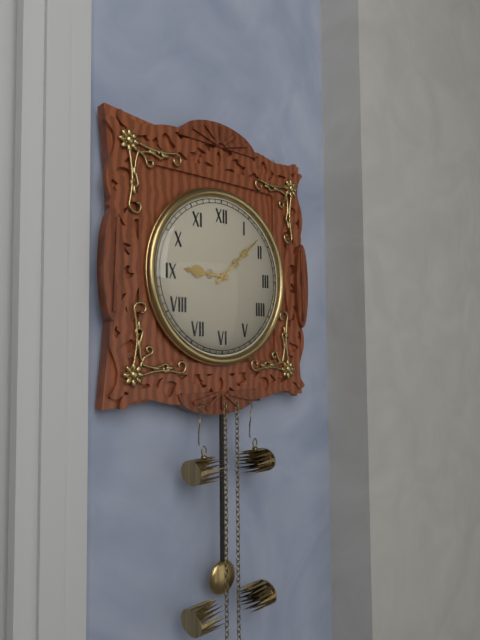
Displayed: 9h08
